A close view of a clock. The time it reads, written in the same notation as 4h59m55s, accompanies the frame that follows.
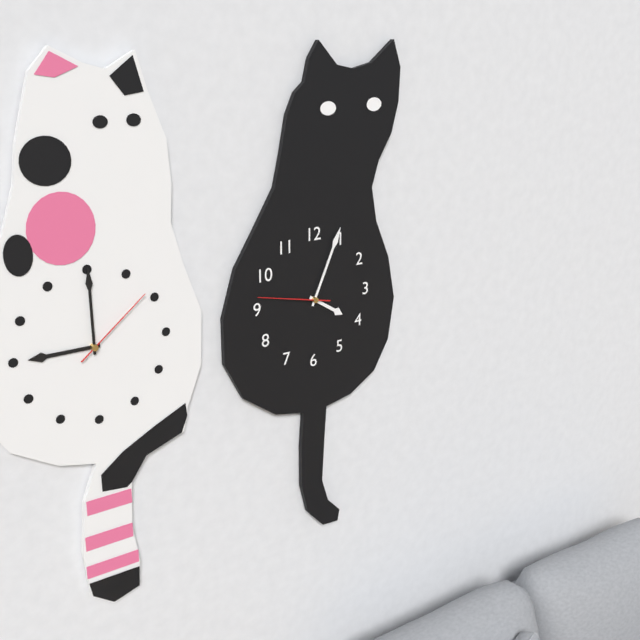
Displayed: 4h04m47s
